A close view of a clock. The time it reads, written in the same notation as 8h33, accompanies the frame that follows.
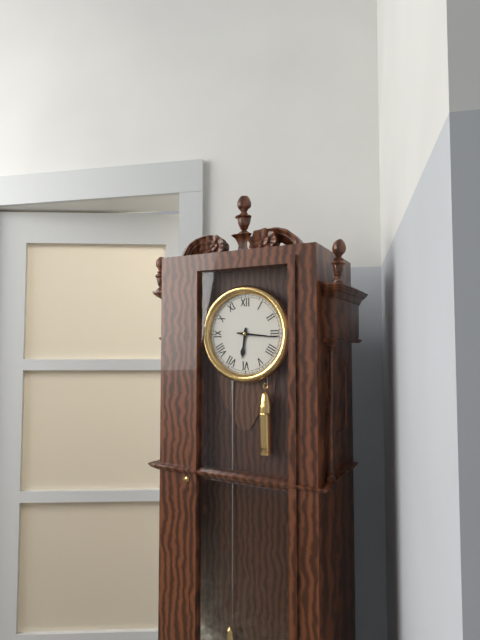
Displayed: 6h16
